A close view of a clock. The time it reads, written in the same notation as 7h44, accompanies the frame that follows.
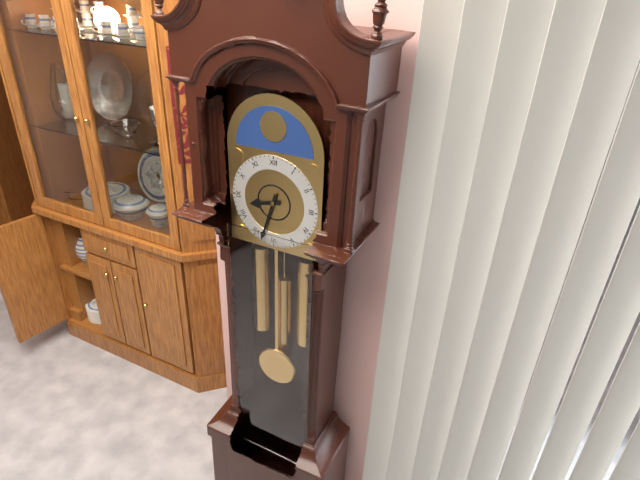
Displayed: 8h33
